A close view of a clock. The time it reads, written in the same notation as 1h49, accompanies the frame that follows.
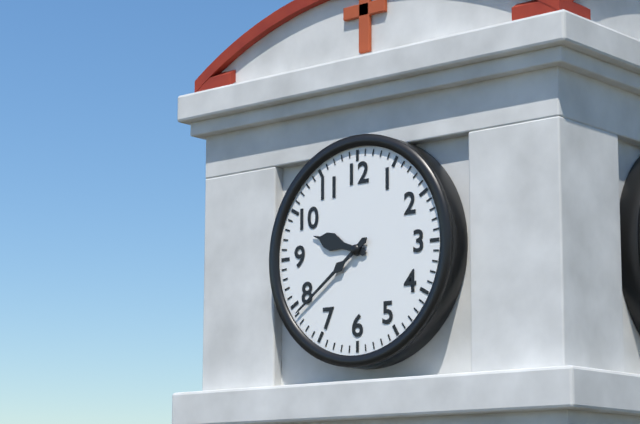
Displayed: 9h39
